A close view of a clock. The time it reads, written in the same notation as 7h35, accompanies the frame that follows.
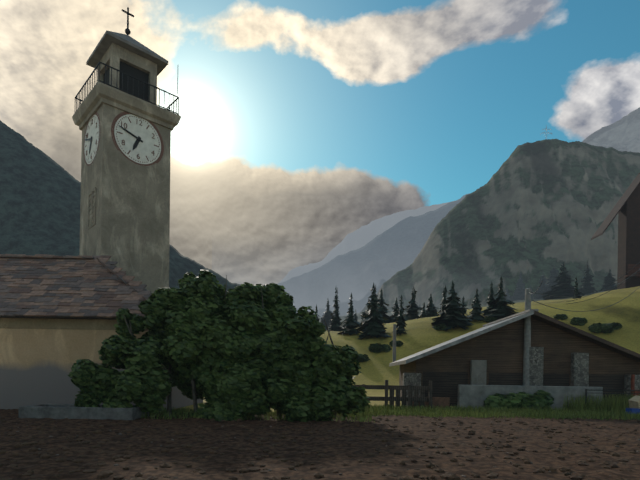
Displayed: 6h48
